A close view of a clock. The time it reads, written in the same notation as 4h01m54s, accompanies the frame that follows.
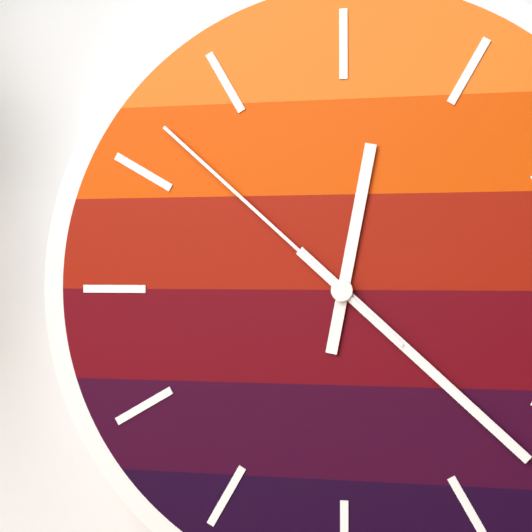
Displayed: 12h22m52s
